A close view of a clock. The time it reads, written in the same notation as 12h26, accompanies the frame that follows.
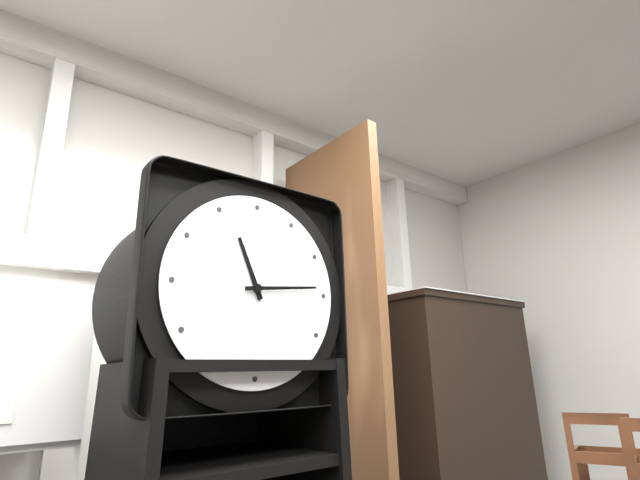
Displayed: 11h14
